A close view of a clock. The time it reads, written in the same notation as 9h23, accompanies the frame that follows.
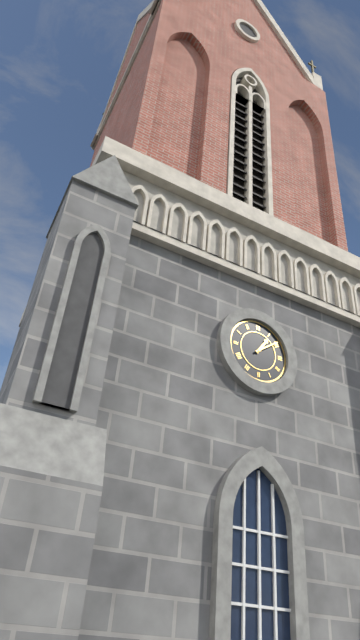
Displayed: 1h09
